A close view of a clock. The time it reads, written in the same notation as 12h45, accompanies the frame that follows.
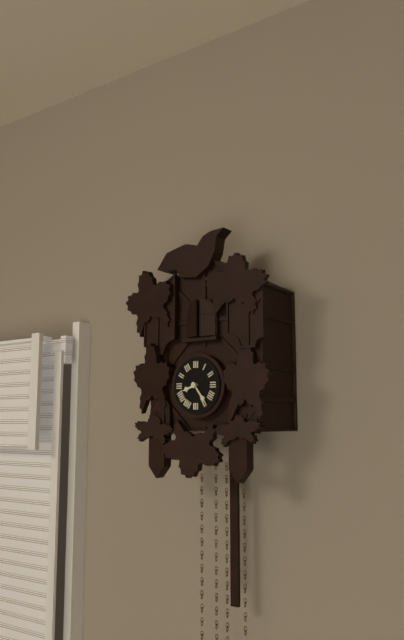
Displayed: 8h24
